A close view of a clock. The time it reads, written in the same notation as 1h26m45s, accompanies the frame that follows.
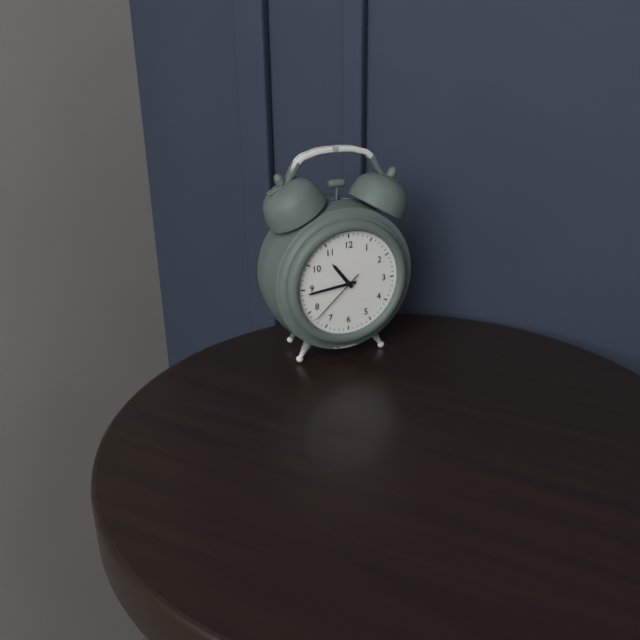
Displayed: 10h44m38s
